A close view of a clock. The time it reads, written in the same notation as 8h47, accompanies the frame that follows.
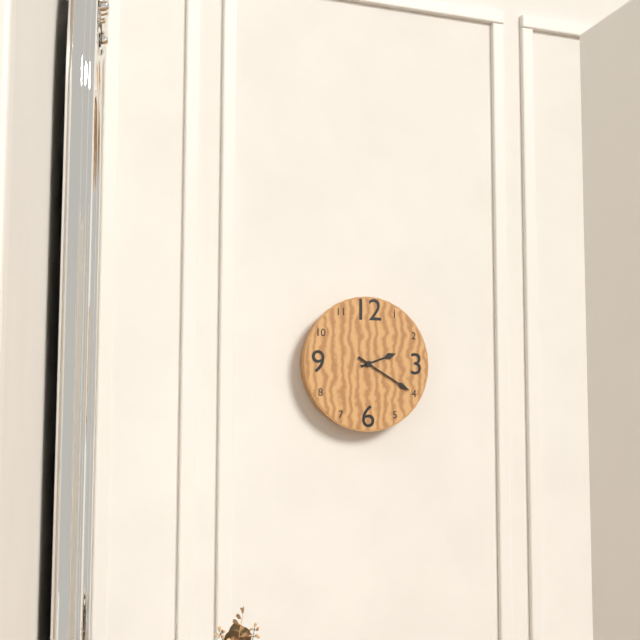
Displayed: 2h20
